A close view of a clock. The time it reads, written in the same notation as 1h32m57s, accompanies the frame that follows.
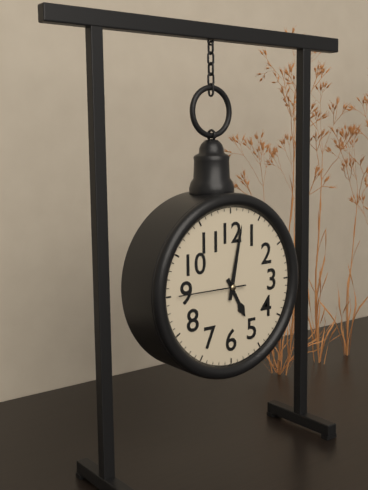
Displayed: 5h02m45s
